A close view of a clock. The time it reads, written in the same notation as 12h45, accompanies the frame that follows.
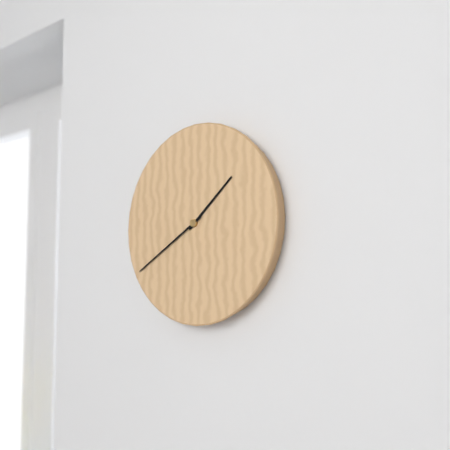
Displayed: 1h40
